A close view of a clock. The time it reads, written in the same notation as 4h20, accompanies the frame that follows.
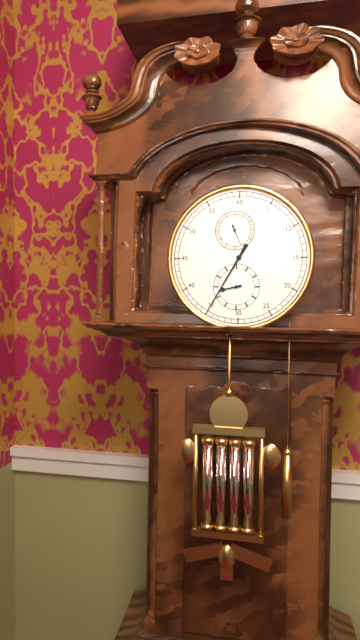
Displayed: 8h35
